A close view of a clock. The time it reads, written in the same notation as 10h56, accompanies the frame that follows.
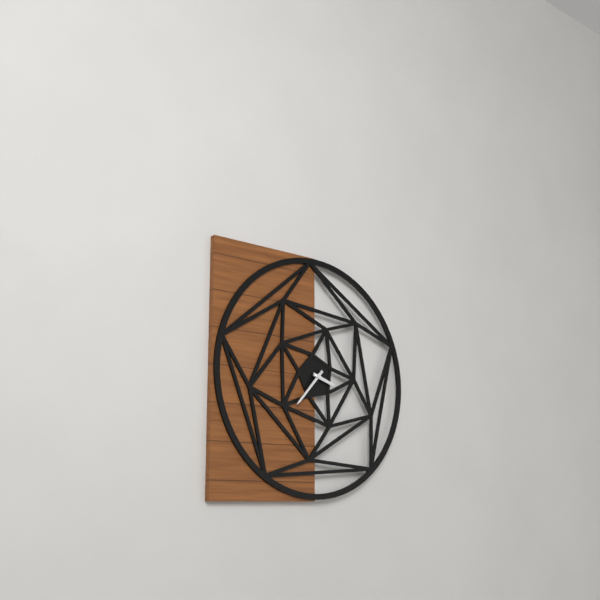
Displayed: 3h37
